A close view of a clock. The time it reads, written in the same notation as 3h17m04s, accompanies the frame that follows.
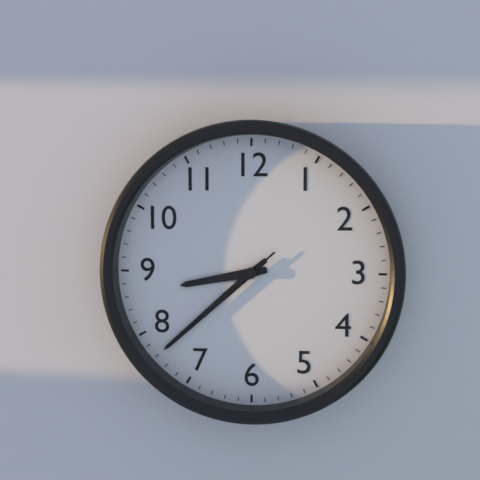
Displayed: 8h38m38s
